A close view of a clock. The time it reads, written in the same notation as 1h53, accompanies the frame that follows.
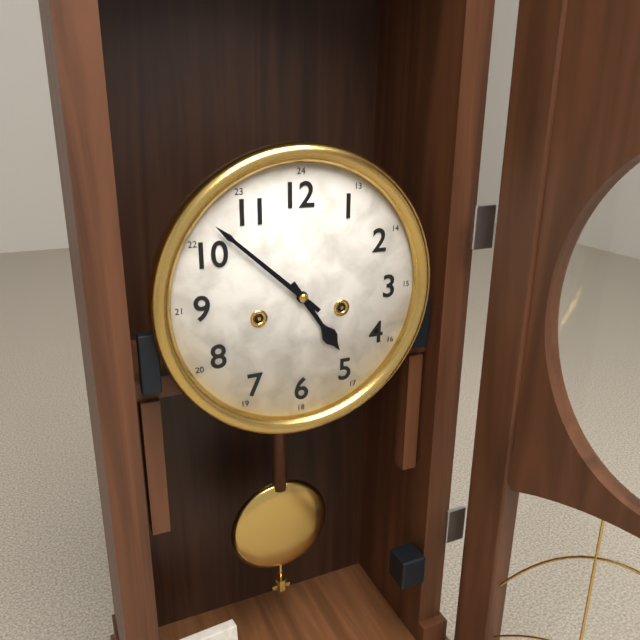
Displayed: 4h52
